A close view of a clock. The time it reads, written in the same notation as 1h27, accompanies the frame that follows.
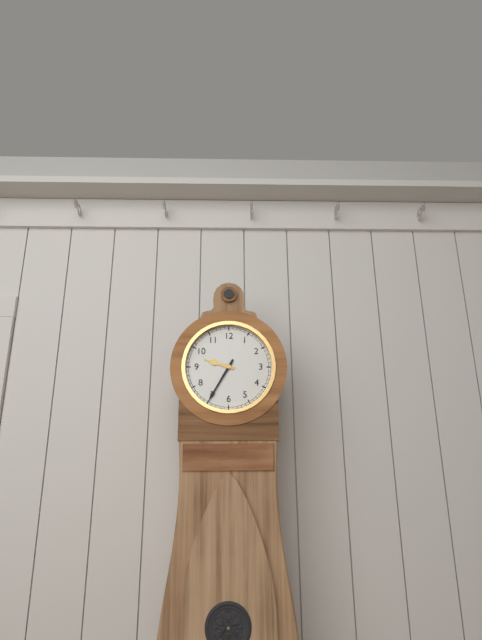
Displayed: 9h35
